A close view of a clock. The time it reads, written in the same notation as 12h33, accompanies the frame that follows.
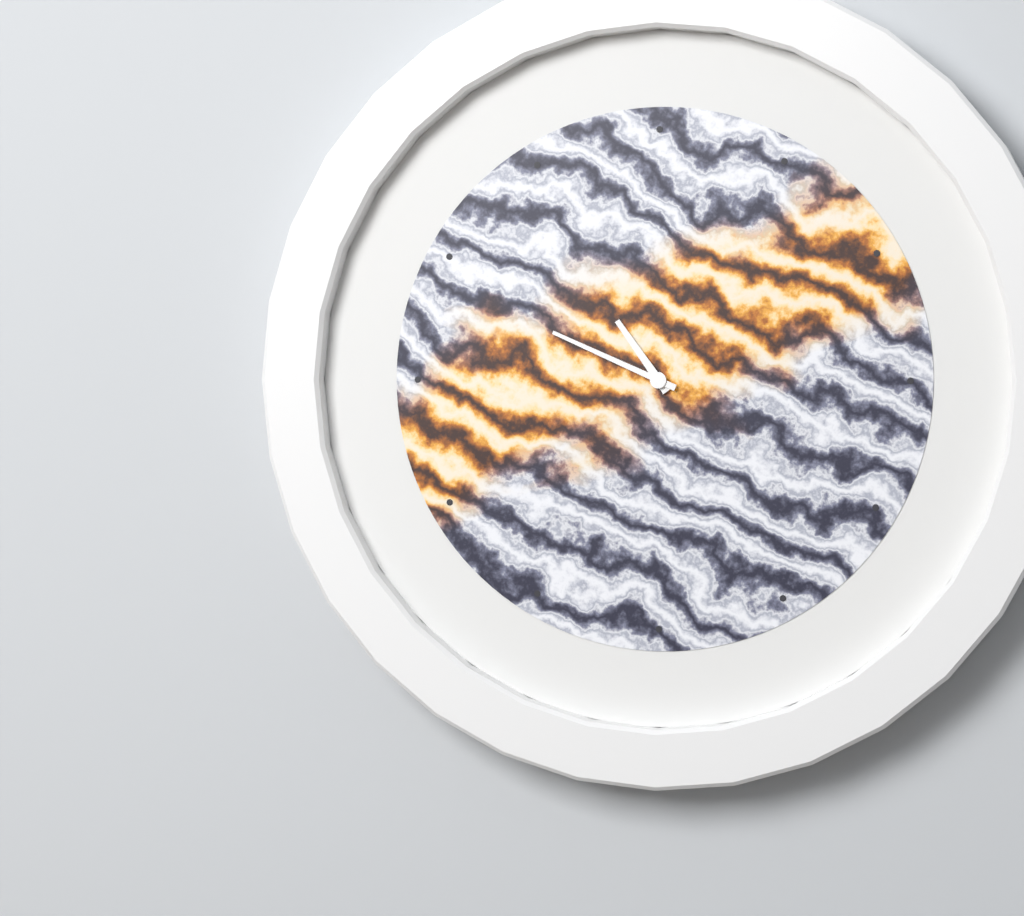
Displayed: 10h49
